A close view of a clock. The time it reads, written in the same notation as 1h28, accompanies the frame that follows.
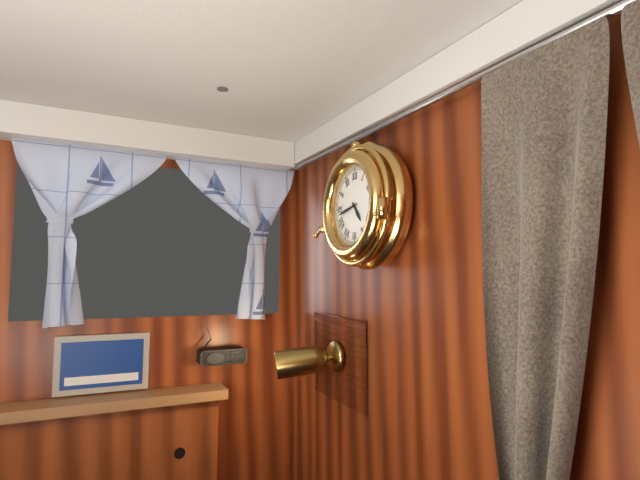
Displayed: 4h43
